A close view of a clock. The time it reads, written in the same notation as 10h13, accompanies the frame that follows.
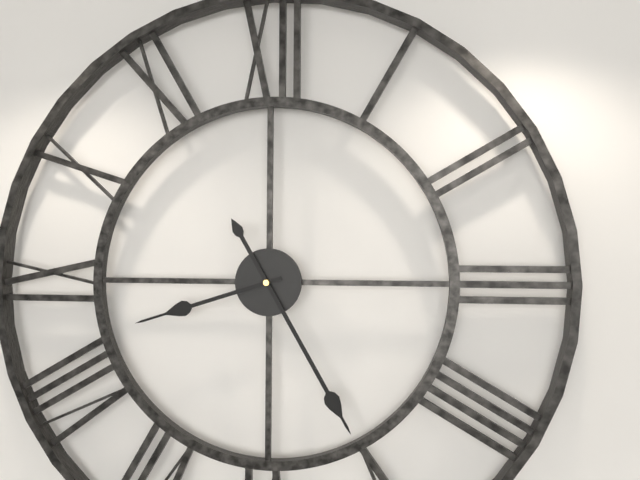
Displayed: 8h25
